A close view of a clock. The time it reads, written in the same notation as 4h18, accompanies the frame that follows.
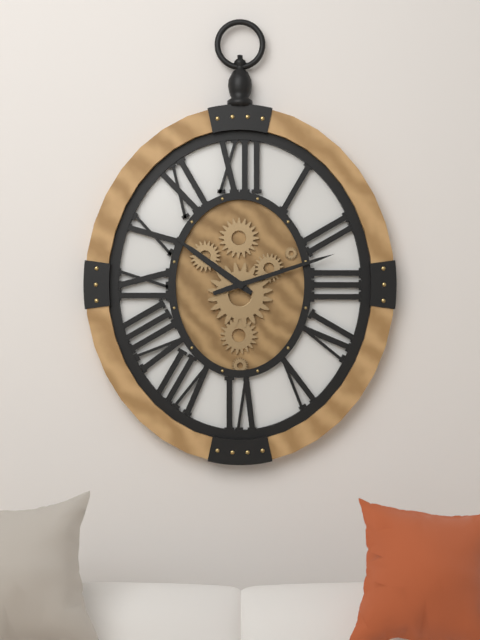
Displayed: 10h12
